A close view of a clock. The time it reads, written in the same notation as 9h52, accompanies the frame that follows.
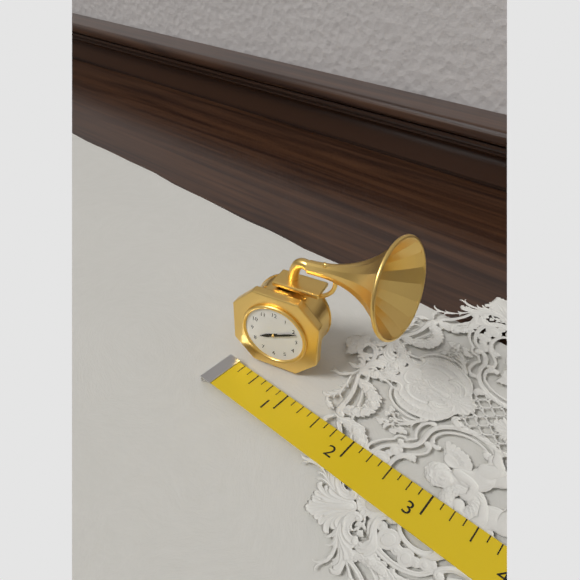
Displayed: 8h11
